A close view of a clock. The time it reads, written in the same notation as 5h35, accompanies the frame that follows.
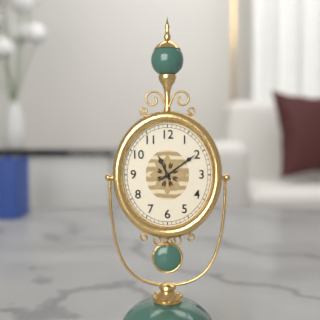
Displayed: 11h09
